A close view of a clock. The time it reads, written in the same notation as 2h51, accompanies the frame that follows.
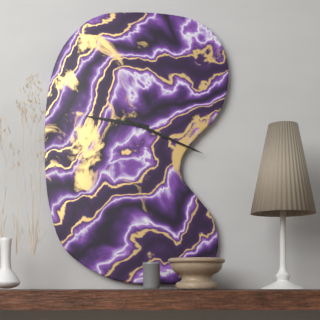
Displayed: 9h19
